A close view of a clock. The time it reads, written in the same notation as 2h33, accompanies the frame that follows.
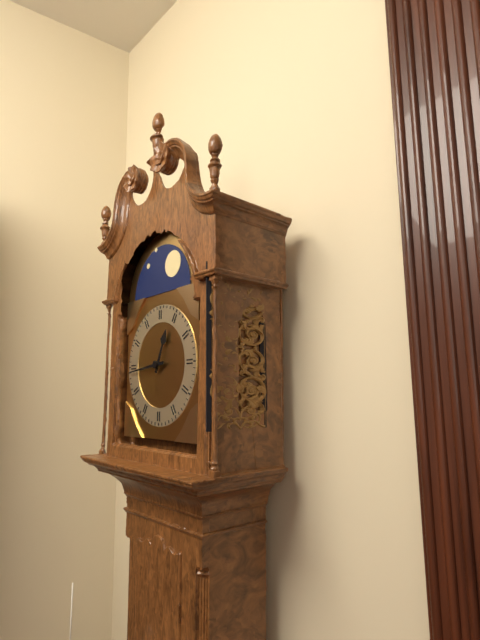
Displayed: 12h44
